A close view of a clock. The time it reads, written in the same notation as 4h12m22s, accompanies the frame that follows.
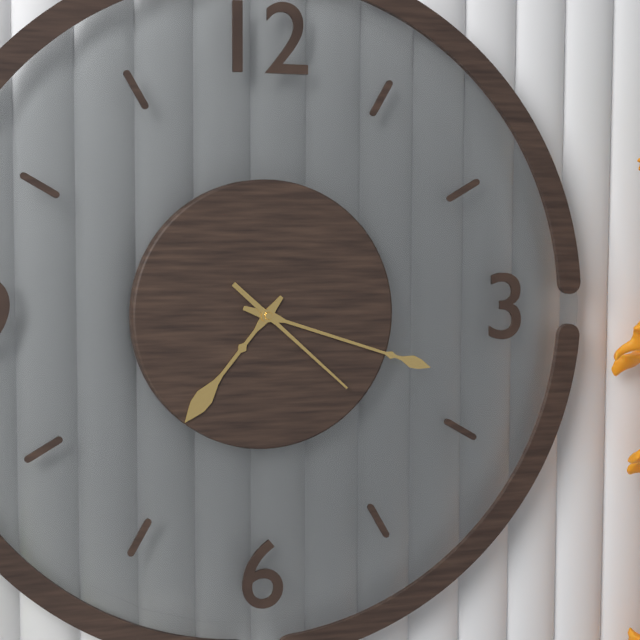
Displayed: 7h18m22s
